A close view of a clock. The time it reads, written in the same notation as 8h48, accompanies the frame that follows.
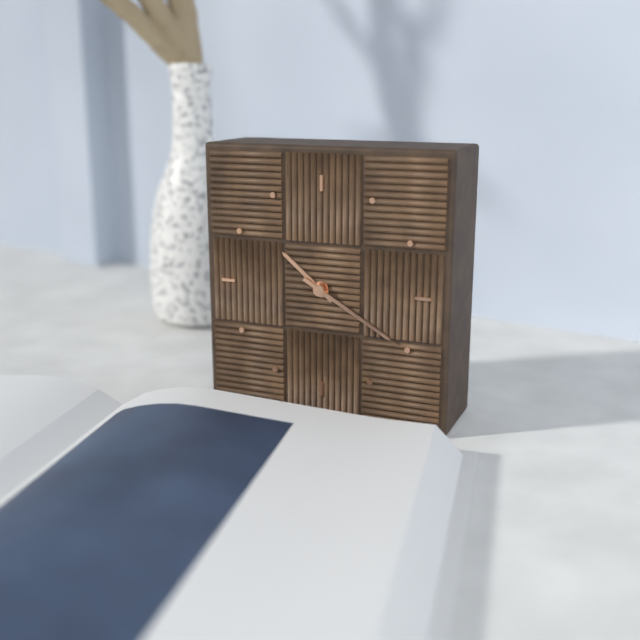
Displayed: 10h20
